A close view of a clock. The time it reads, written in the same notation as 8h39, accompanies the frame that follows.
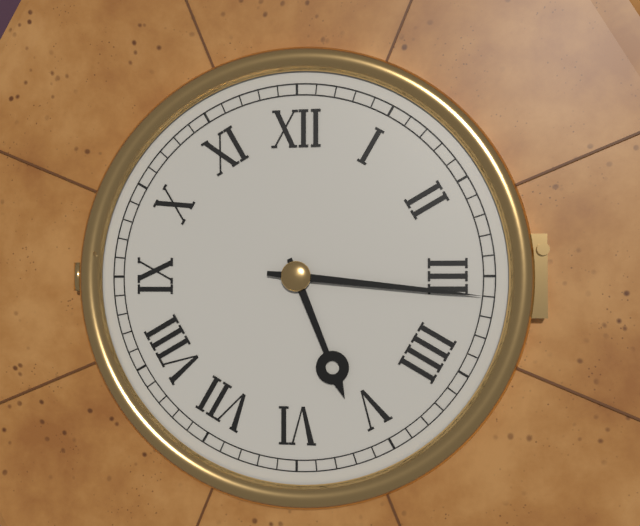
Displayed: 5h16
